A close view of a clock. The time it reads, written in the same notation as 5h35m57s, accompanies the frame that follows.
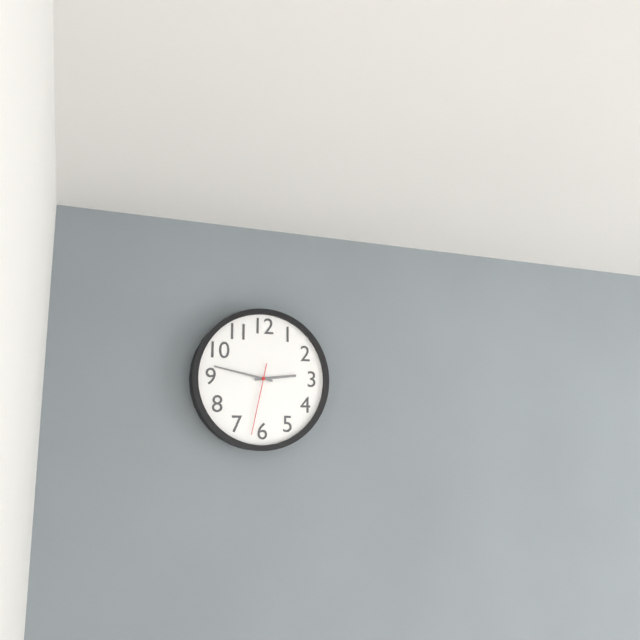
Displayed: 2h47m32s
